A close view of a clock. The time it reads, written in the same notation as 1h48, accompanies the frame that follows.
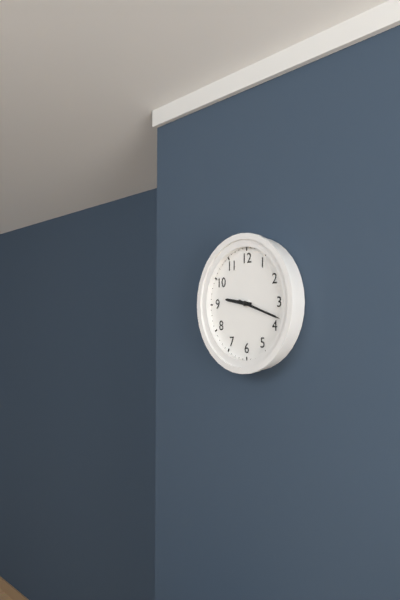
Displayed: 9h18
